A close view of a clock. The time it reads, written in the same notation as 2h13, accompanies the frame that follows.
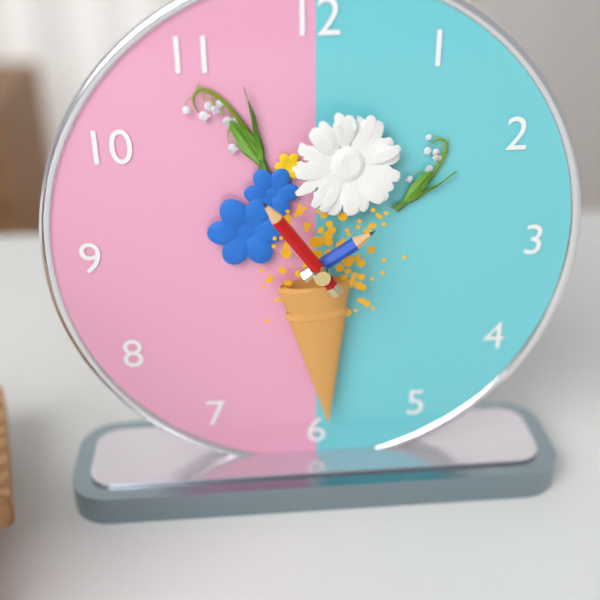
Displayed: 1h54
